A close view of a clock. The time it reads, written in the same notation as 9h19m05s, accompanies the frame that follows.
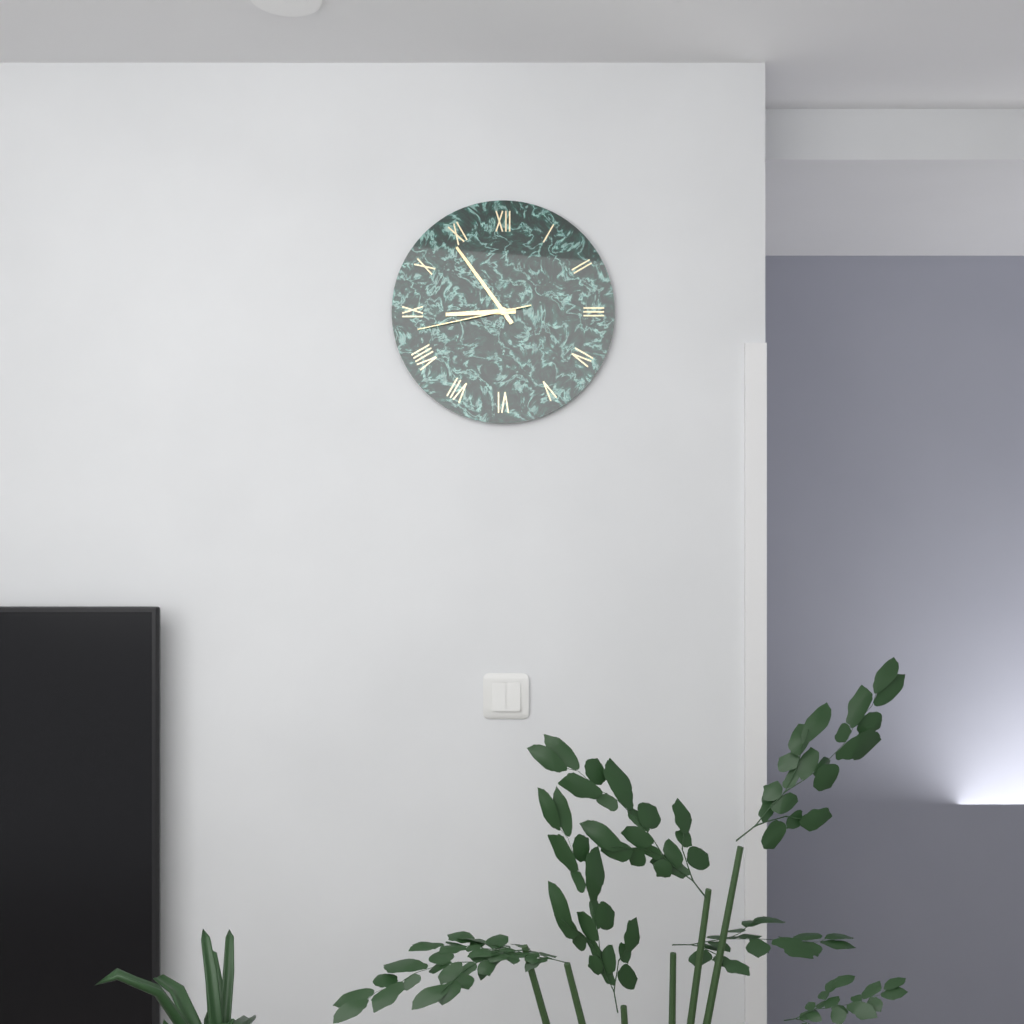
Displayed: 8h54m43s
